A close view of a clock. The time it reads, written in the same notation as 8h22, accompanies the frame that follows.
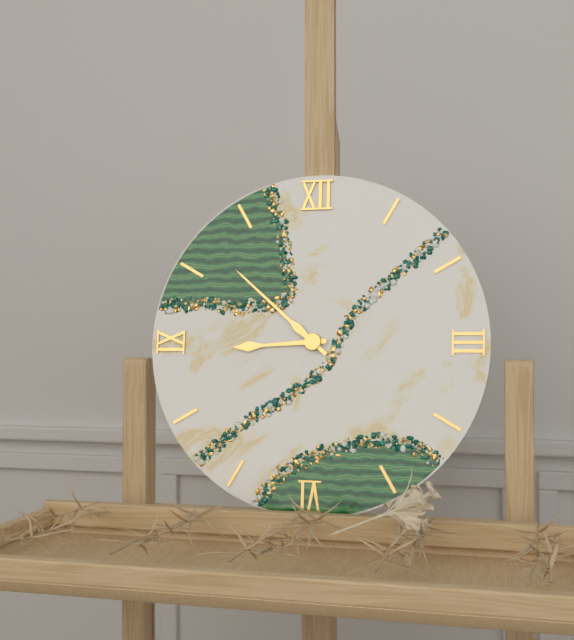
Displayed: 8h52
